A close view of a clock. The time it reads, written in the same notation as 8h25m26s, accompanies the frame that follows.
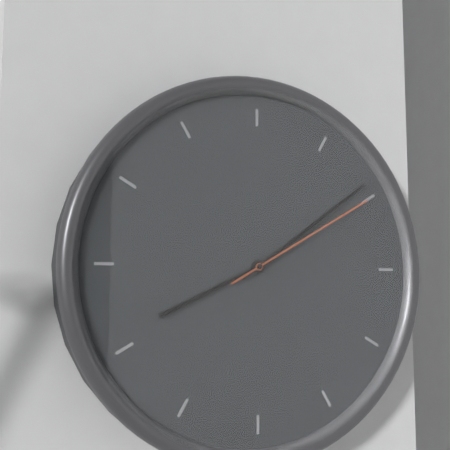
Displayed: 8h09m10s
